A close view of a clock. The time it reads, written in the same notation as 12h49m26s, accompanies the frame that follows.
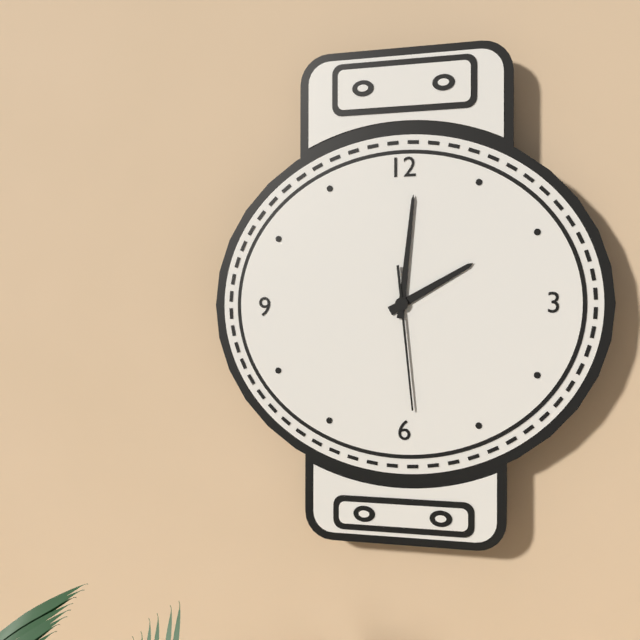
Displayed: 2h01m29s
